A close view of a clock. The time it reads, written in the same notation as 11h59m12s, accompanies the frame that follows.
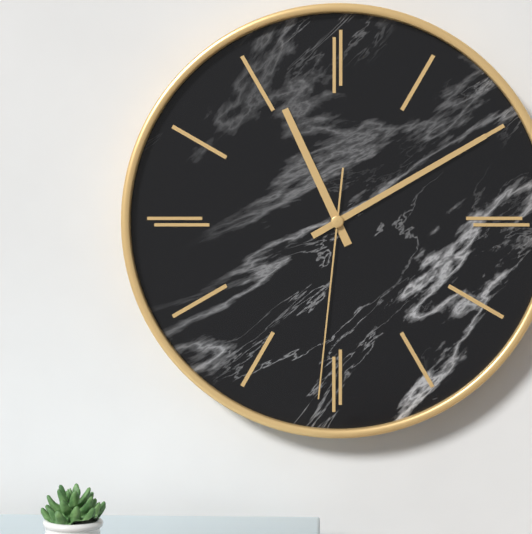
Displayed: 11h10m31s
